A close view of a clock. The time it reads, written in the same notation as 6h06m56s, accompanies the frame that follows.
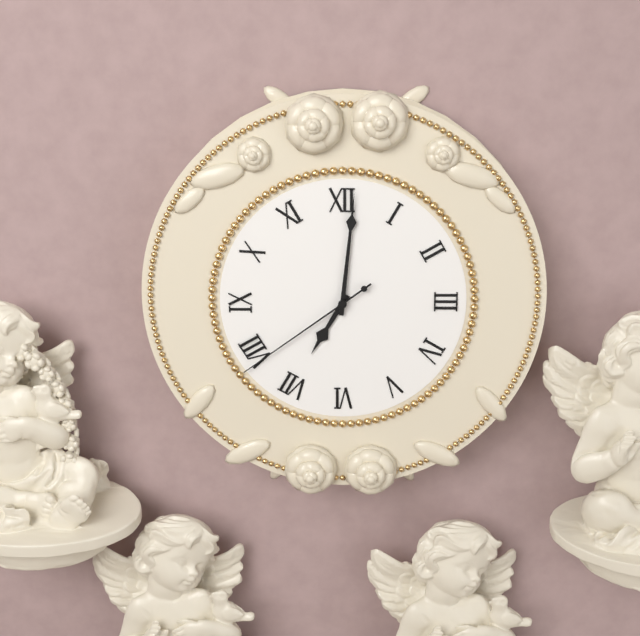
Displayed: 7h01m39s
